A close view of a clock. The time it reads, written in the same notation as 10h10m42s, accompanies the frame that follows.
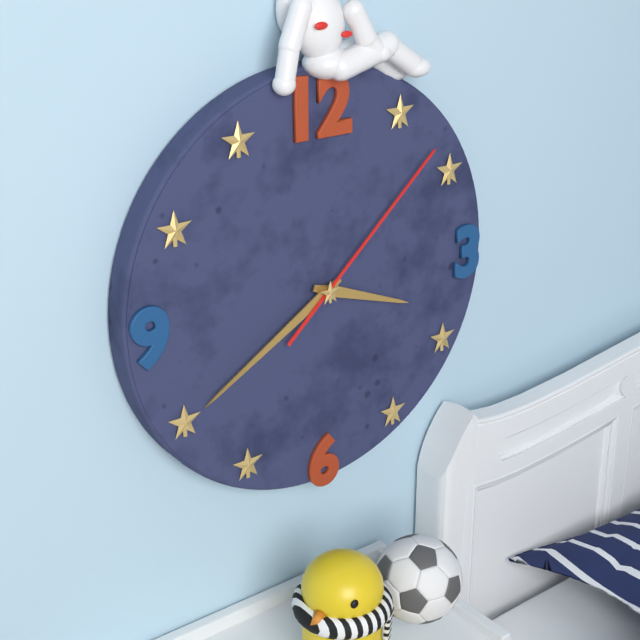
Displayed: 3h40m08s
